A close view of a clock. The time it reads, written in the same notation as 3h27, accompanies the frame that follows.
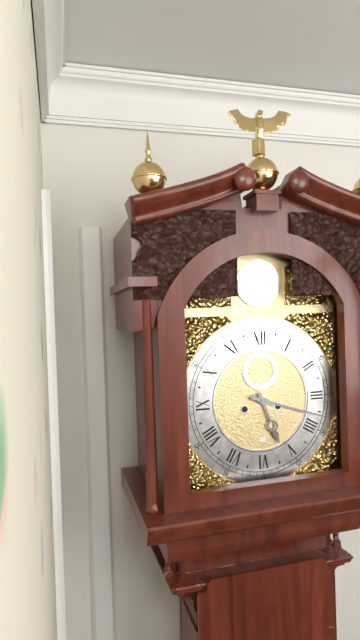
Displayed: 5h18
